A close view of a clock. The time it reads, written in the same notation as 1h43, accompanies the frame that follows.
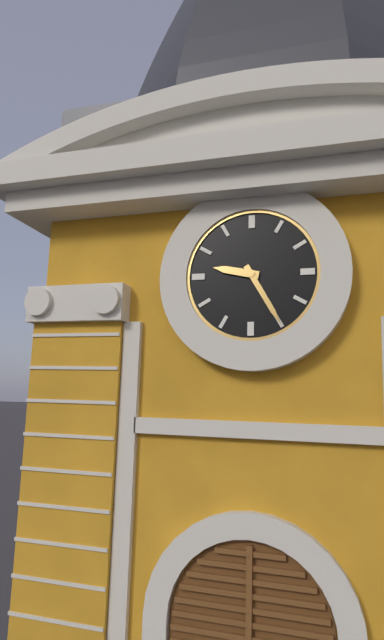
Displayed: 9h25
